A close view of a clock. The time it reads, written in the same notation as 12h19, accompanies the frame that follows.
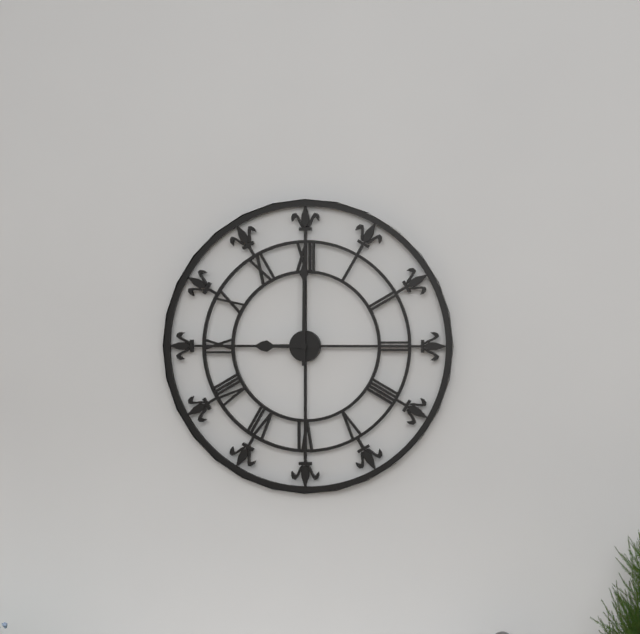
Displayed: 9h00
